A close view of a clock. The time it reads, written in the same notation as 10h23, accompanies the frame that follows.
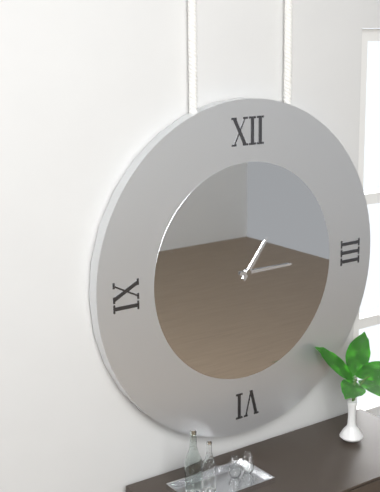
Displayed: 1h15
